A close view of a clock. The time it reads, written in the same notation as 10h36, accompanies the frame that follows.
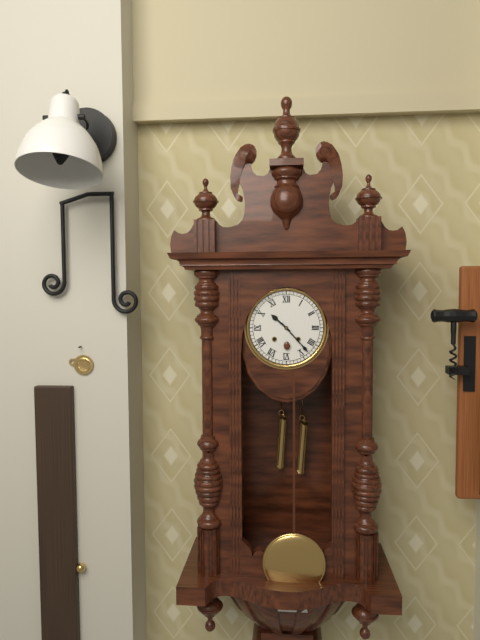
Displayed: 10h23
